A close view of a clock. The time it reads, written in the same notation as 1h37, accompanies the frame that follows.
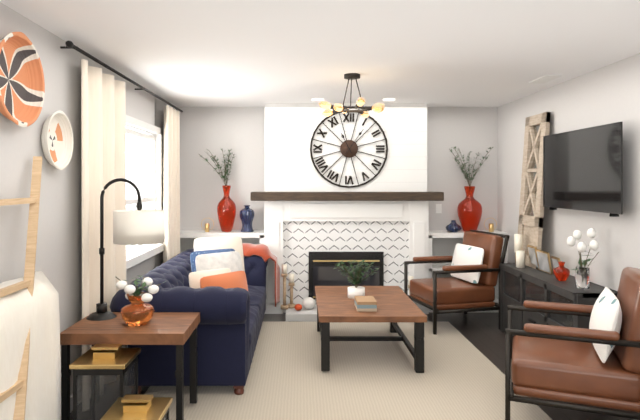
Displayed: 11h06
